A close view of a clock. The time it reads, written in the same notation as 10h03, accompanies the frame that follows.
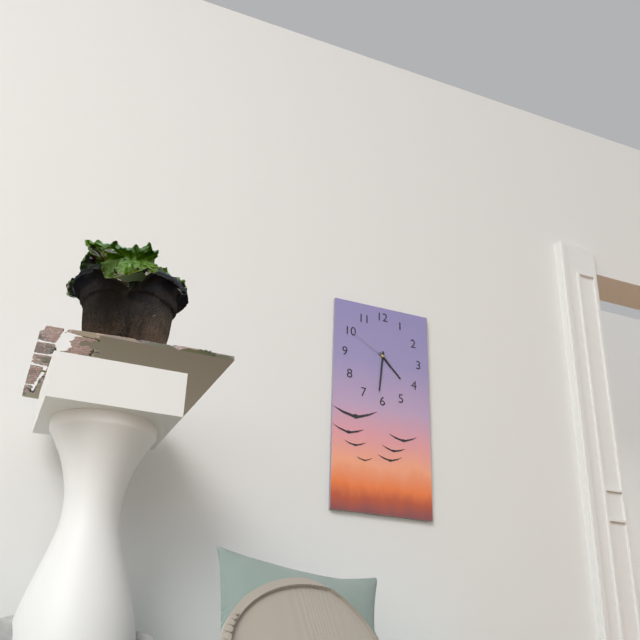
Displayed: 4h31
